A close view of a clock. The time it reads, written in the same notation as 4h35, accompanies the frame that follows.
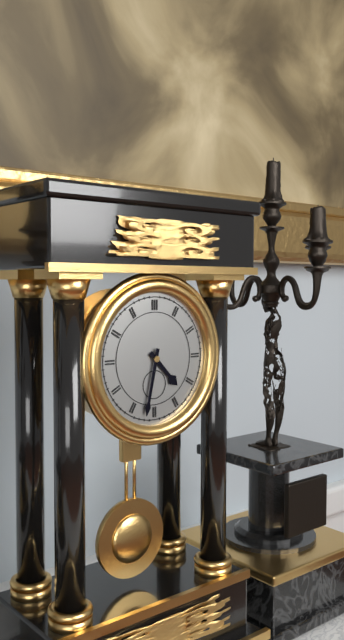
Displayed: 4h32
